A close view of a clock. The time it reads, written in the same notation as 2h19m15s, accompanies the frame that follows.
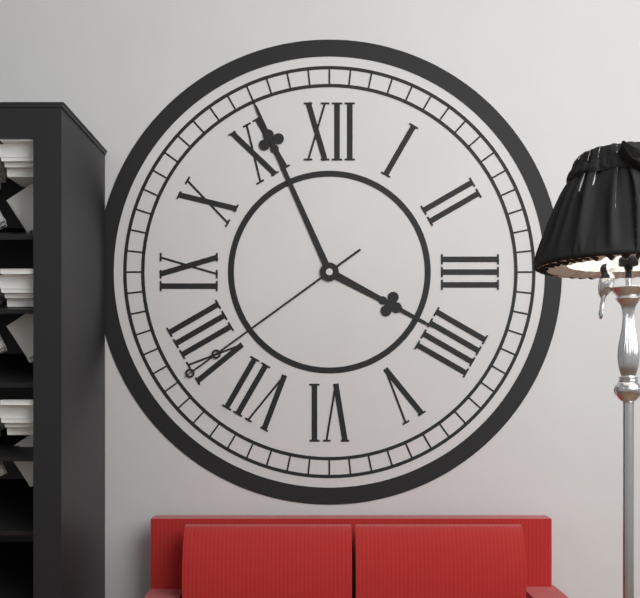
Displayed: 3h56m39s
